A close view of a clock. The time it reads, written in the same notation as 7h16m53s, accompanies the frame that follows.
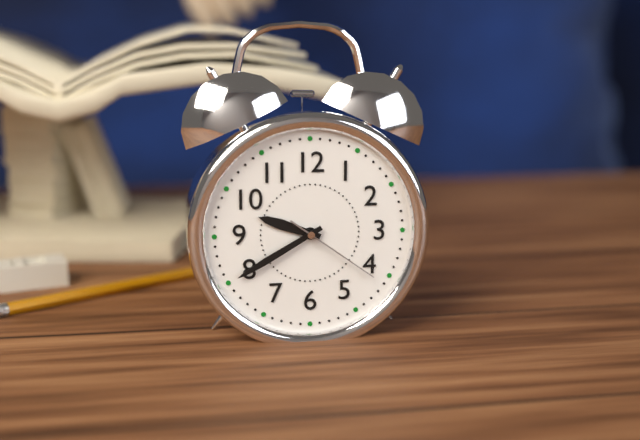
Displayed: 9h40m21s
